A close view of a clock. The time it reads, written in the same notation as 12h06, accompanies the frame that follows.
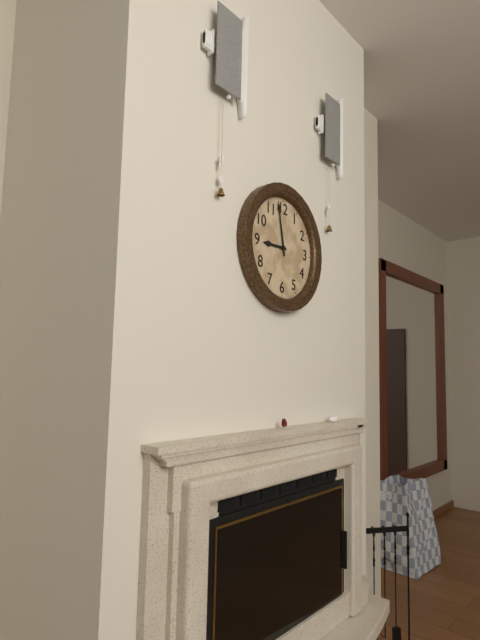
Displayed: 8h58
